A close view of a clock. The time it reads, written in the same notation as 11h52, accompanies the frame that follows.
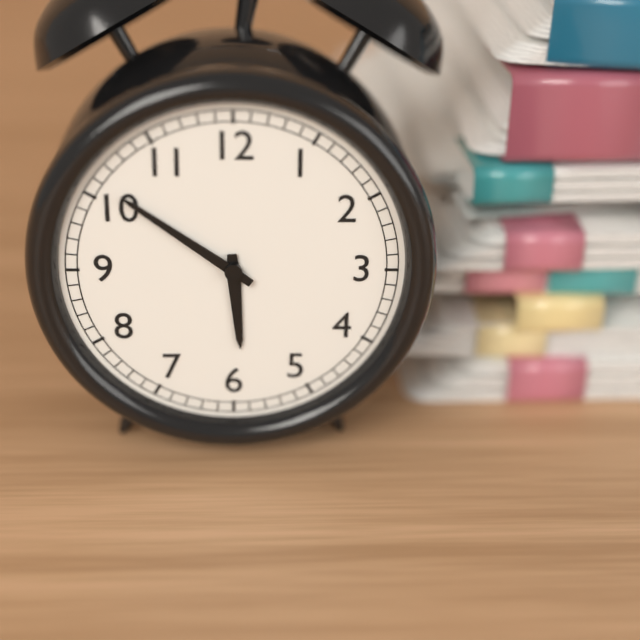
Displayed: 5h51
